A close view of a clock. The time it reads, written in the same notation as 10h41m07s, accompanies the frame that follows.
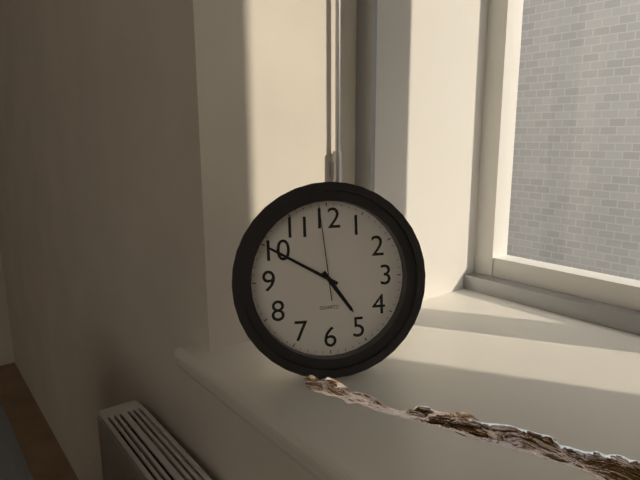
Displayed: 4h50m59s
